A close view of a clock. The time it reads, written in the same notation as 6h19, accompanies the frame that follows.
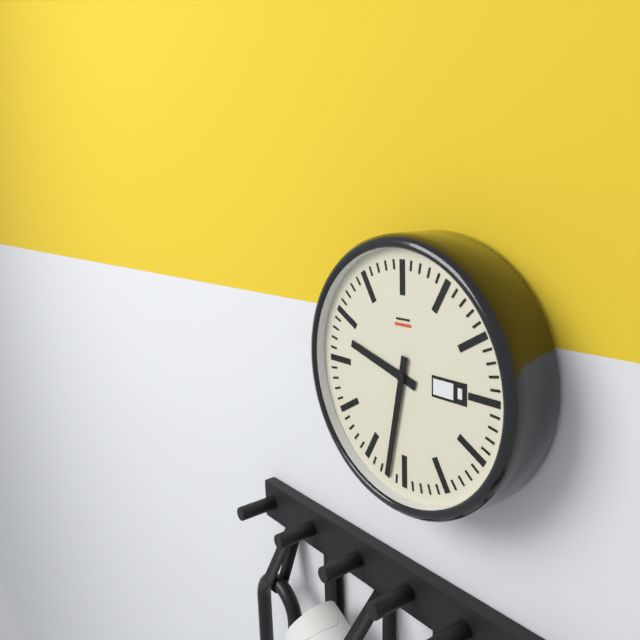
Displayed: 9h32
